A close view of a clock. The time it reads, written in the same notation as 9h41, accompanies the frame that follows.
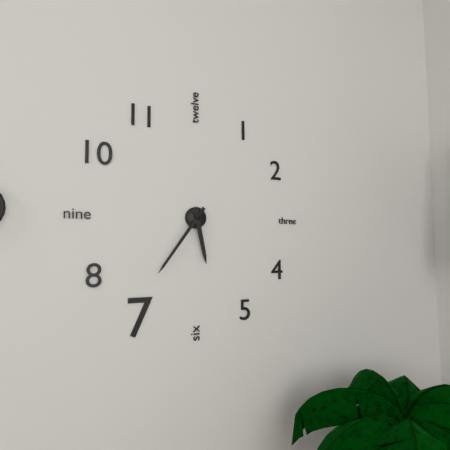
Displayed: 5h36
